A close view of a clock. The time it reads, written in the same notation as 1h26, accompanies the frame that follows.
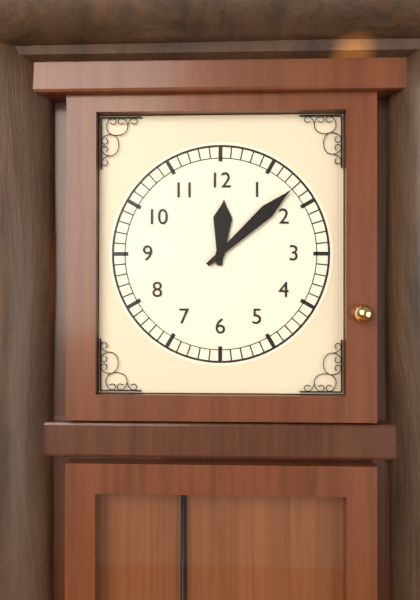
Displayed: 12h08
